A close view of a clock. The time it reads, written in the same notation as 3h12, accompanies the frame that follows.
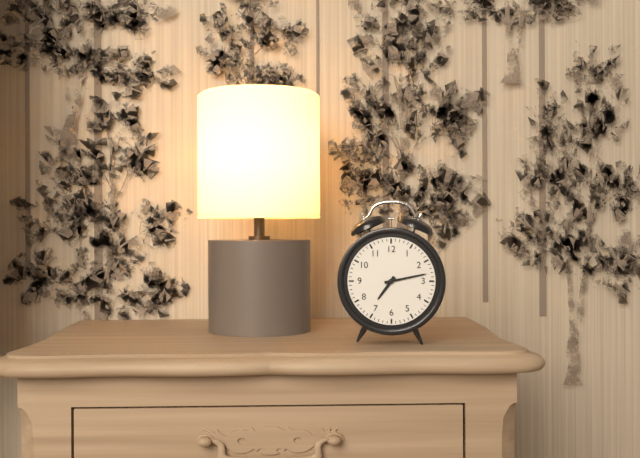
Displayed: 7h13
